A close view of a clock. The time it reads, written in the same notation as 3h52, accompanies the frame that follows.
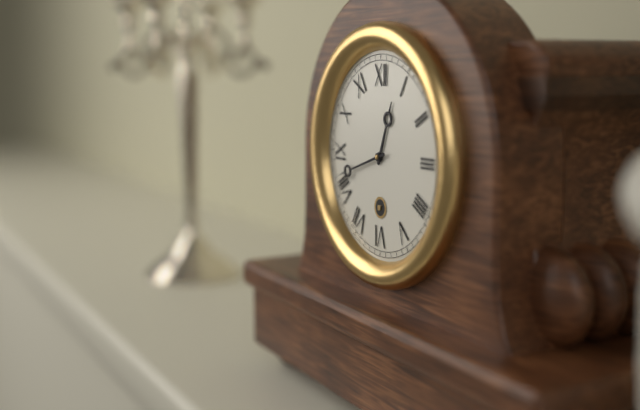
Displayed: 12h42
